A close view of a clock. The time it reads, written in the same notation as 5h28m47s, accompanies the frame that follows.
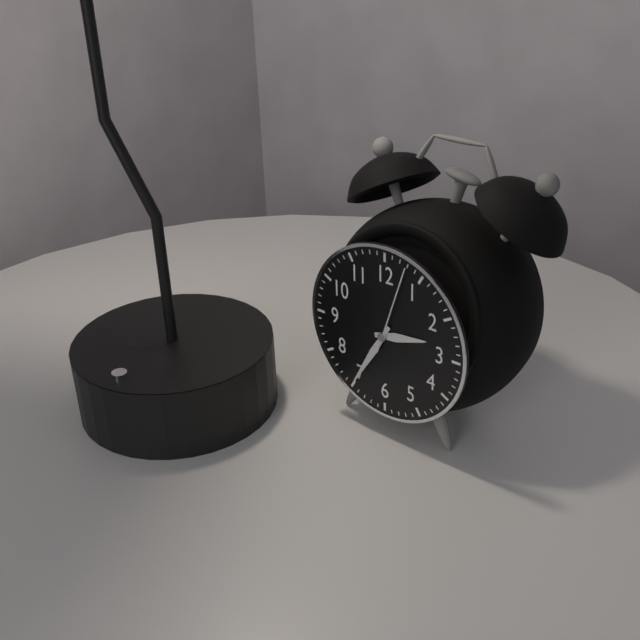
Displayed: 2h35m03s
